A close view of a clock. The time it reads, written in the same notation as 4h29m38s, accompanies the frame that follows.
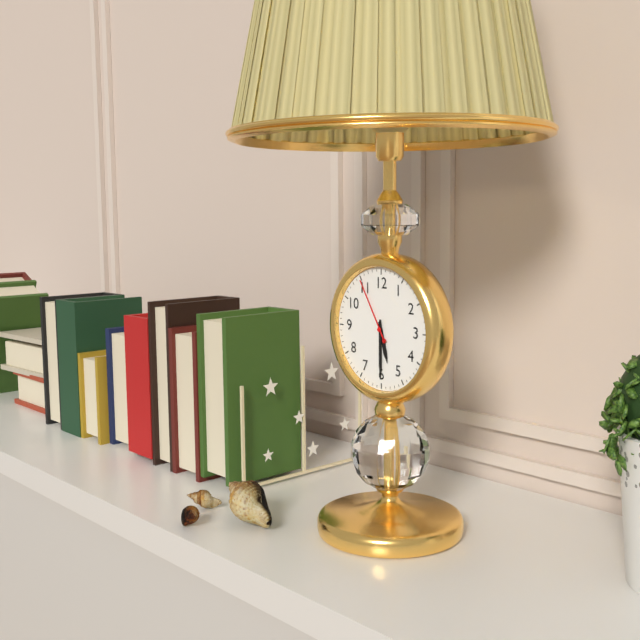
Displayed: 5h30m55s
